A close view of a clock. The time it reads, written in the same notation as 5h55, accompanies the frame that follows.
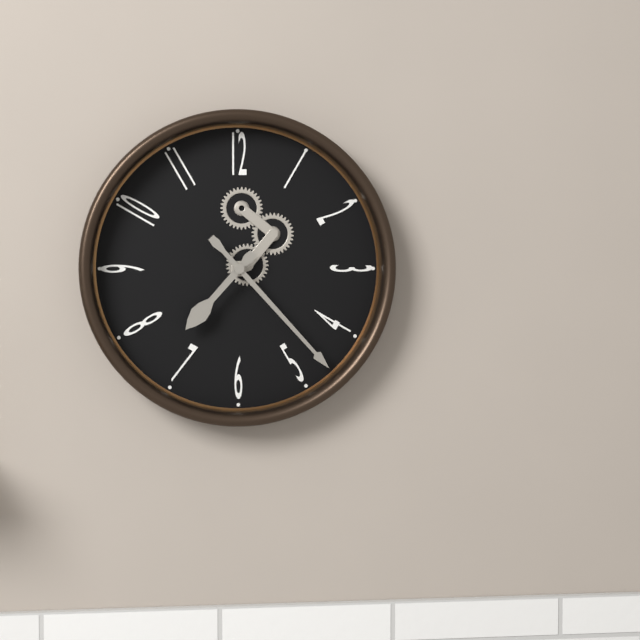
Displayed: 7h23
